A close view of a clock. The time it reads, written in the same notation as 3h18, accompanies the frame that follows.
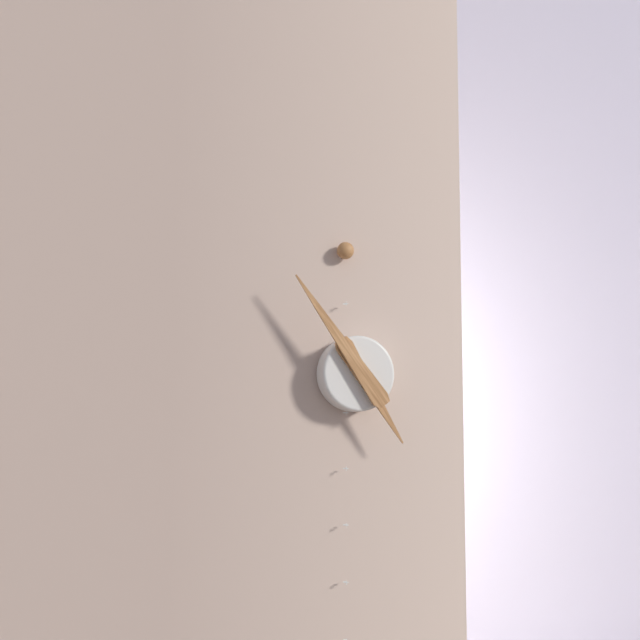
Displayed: 4h54
